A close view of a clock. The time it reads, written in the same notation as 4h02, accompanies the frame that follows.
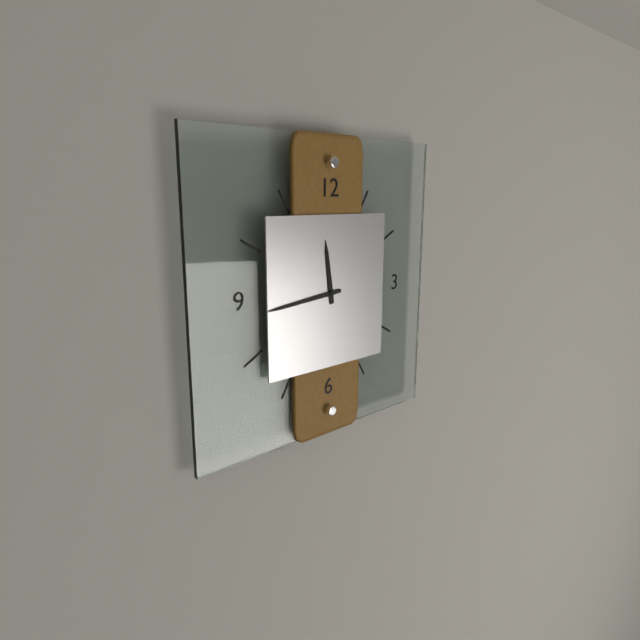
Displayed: 11h44
